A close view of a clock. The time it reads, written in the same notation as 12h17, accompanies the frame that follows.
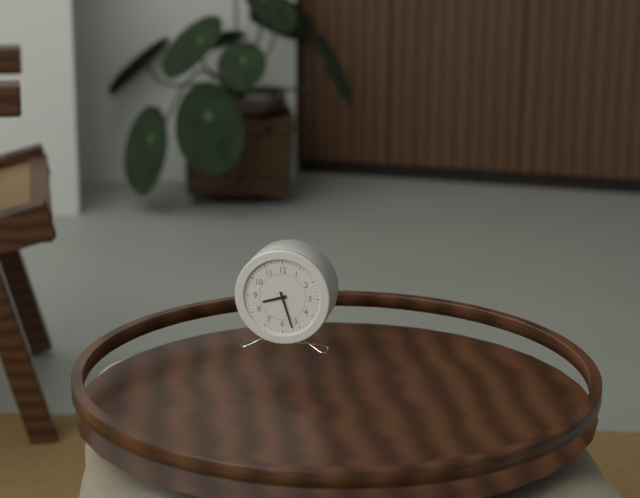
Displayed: 8h27
